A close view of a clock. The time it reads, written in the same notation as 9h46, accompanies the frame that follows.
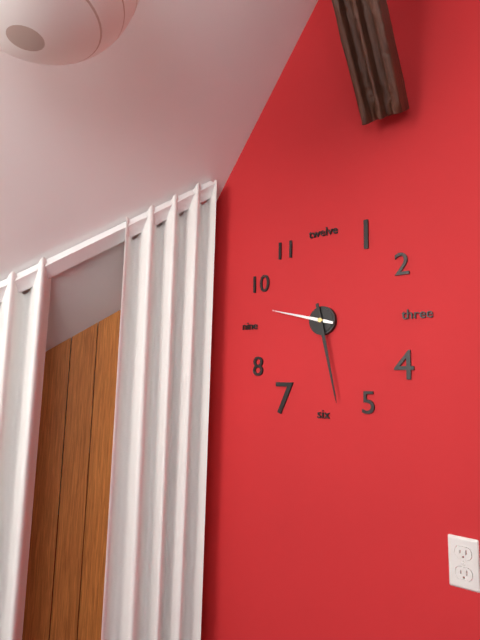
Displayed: 9h28
